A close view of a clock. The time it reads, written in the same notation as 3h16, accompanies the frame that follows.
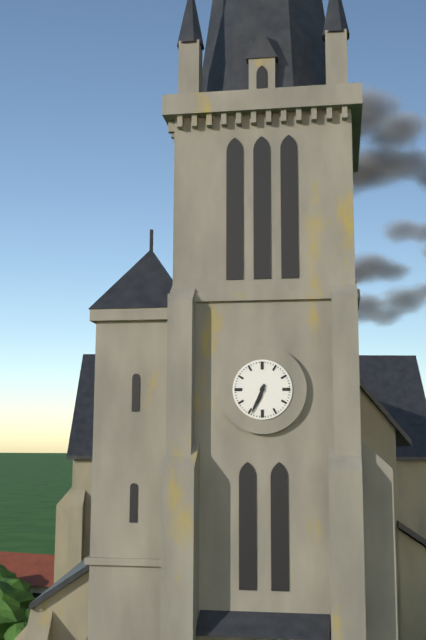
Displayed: 6h34
